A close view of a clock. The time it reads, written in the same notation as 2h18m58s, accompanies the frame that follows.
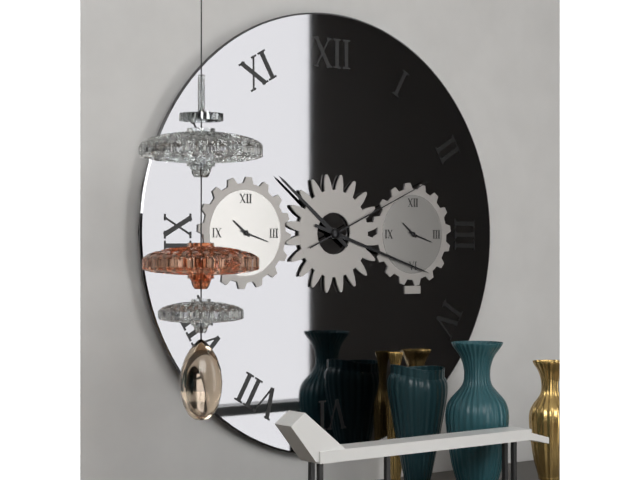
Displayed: 10h18m11s
